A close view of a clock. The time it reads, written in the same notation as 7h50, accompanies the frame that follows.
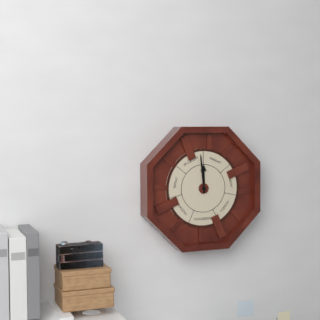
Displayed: 11h59
